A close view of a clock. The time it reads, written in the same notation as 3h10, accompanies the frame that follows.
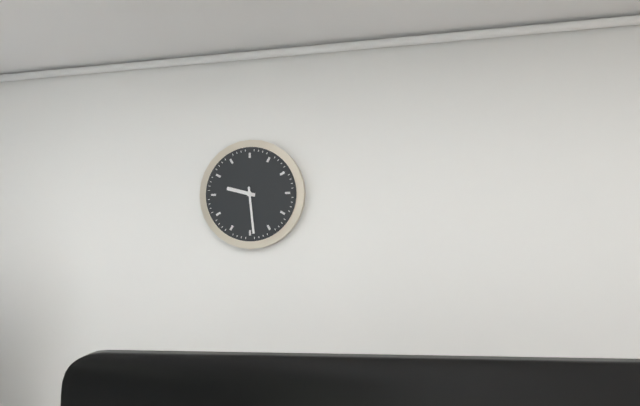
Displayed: 9h29
